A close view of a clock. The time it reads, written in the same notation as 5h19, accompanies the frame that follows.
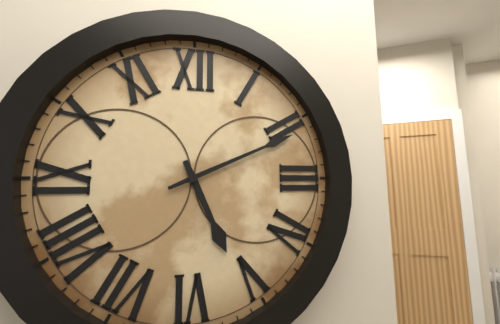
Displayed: 5h11
